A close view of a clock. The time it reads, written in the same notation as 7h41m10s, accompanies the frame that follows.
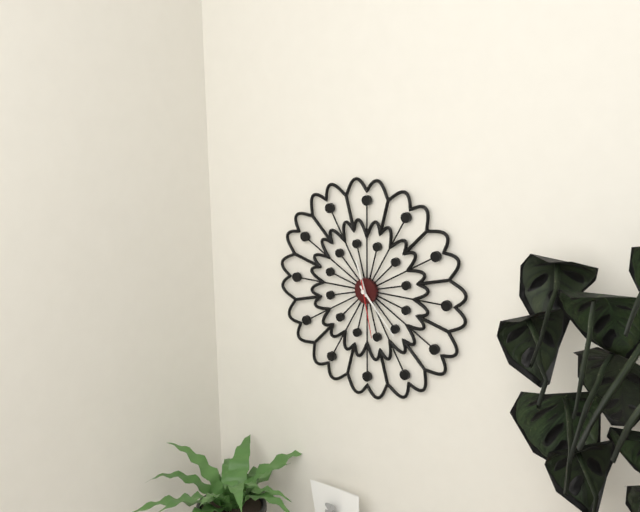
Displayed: 11h23m28s
